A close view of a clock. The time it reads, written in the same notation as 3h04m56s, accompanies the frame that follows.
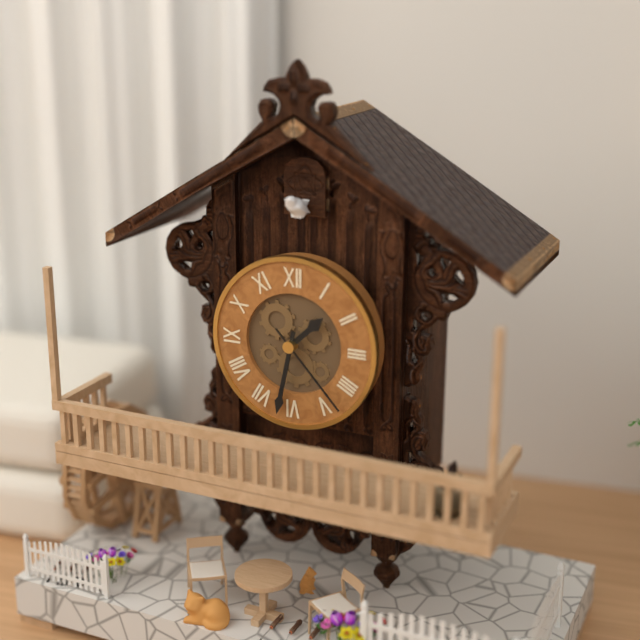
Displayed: 1h32m23s
